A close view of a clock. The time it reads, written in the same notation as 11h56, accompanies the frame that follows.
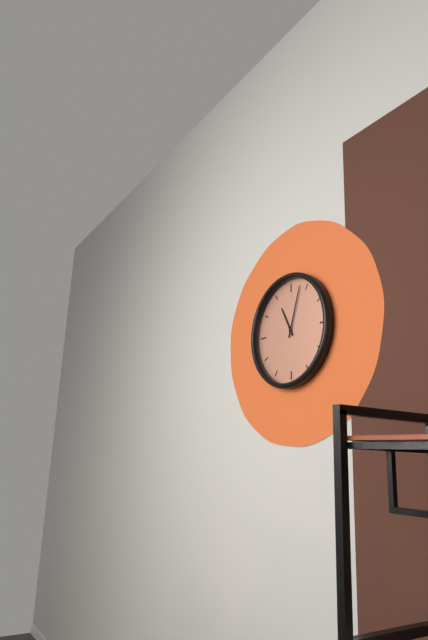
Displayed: 11h03
